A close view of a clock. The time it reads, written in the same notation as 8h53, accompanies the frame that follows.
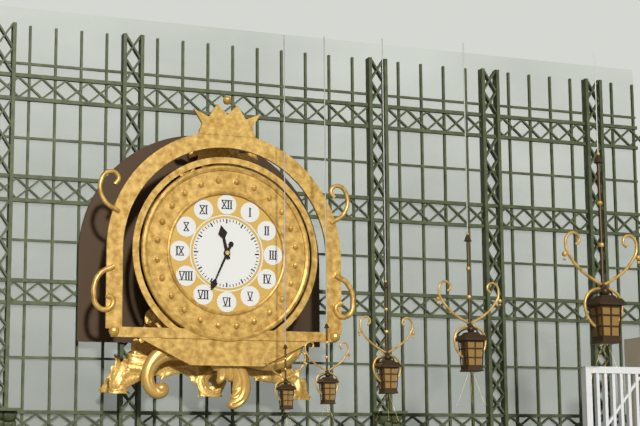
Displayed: 11h34
